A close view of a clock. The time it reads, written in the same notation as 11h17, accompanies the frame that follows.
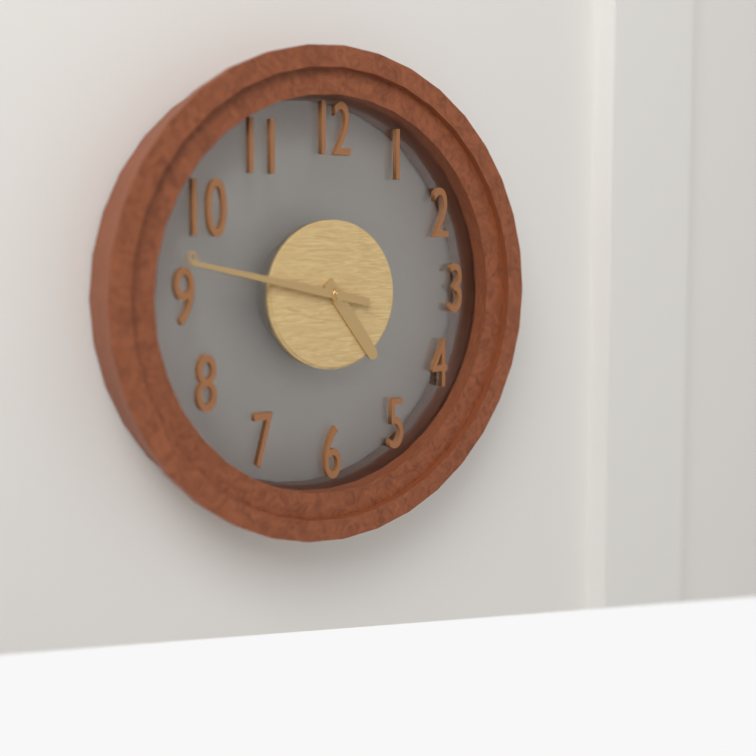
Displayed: 4h47
